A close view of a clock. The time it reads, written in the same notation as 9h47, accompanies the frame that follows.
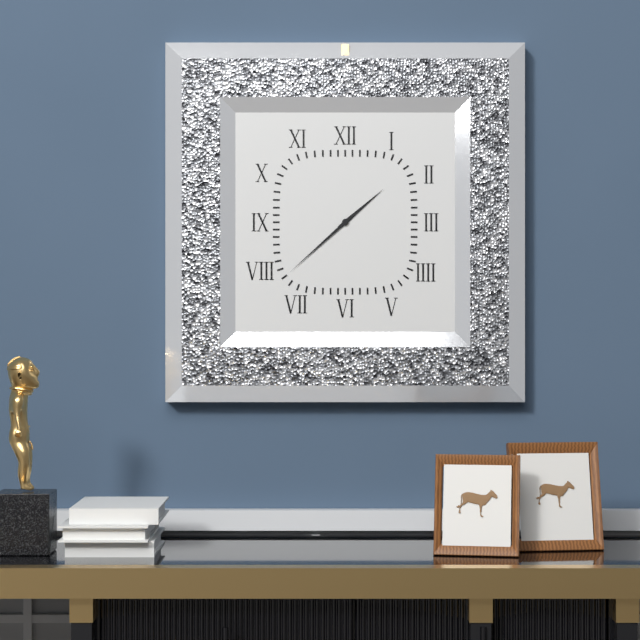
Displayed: 1h38
